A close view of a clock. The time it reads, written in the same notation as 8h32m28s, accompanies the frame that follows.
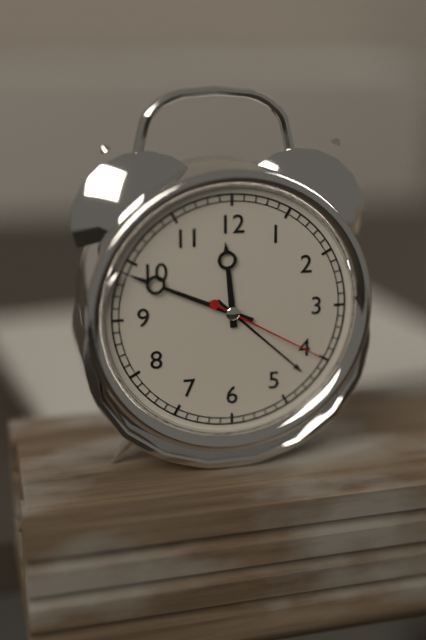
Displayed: 11h49m20s
